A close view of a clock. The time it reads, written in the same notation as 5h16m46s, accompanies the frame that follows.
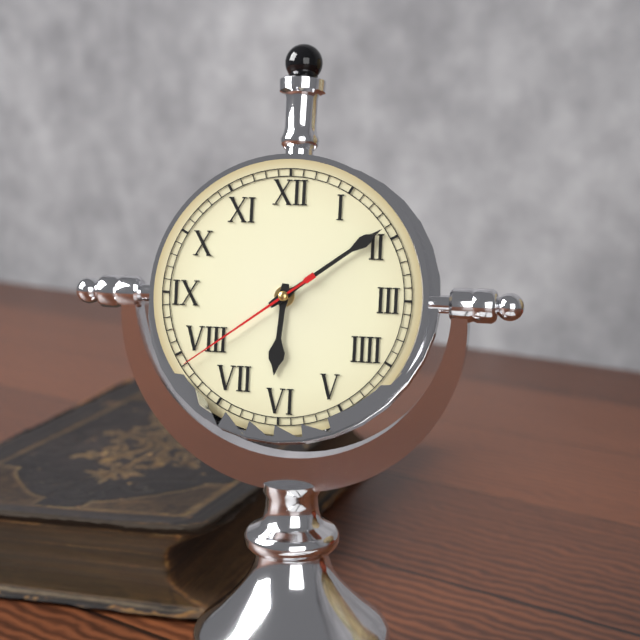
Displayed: 6h09m39s
